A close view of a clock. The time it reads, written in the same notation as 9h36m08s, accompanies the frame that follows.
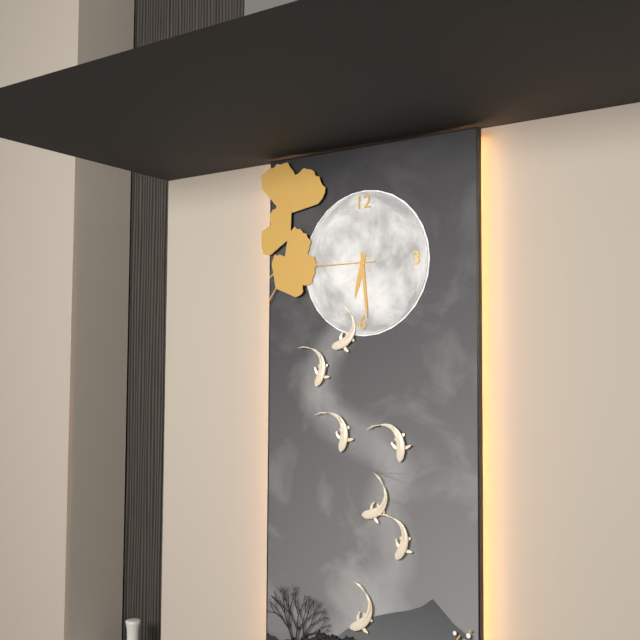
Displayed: 6h29m45s
